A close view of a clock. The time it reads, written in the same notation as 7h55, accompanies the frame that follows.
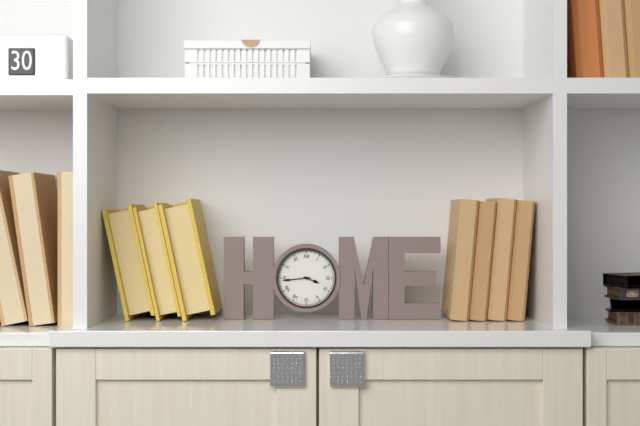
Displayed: 3h44
